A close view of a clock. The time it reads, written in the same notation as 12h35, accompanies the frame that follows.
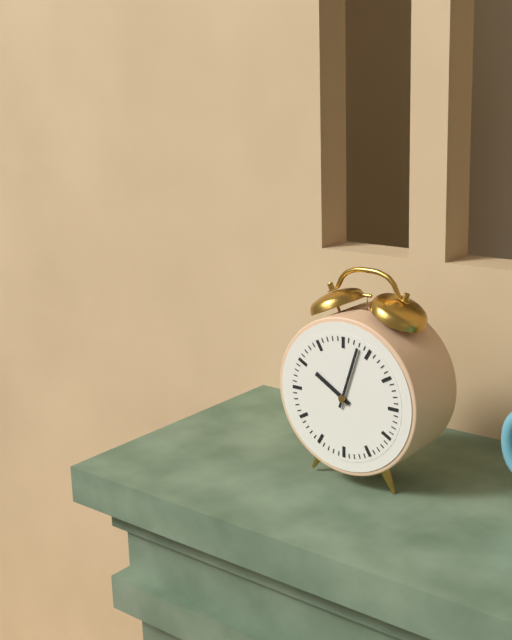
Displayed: 10h03
